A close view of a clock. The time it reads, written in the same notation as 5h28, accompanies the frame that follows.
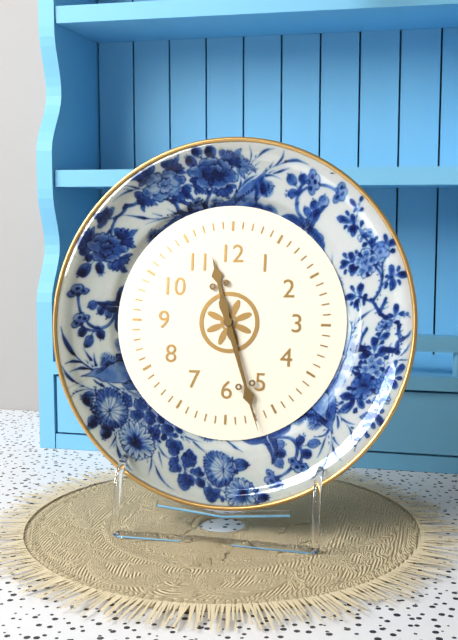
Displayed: 11h27
